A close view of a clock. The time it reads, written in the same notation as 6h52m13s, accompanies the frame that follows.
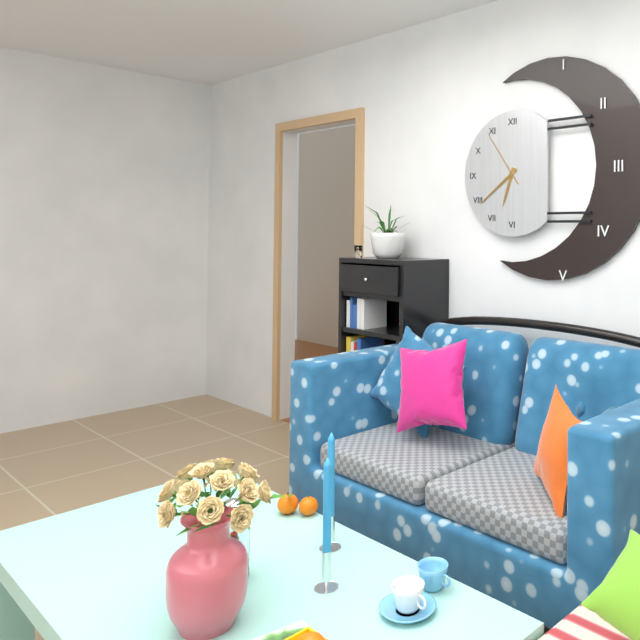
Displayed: 6h39m54s
